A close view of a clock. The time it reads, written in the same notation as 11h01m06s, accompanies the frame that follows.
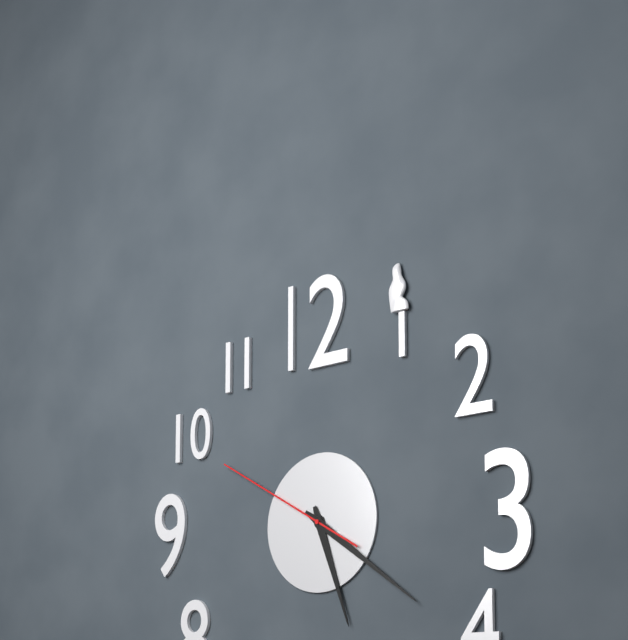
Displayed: 5h21m50s
